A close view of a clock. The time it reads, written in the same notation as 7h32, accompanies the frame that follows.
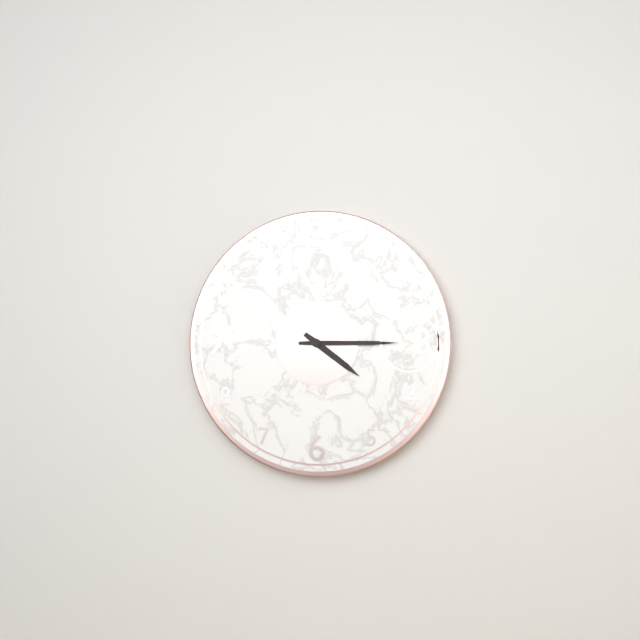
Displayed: 4h15
